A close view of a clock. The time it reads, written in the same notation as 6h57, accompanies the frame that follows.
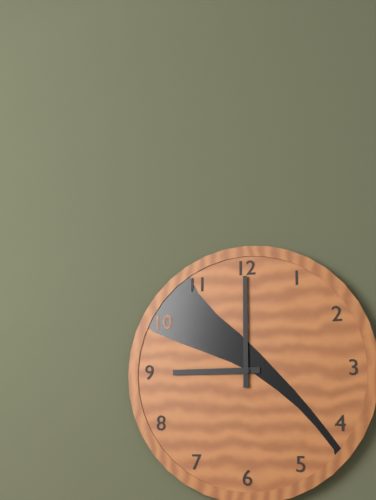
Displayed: 9h00
